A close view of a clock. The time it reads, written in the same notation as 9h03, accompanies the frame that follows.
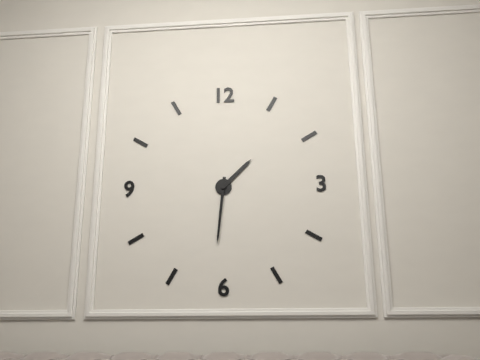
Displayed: 1h31
